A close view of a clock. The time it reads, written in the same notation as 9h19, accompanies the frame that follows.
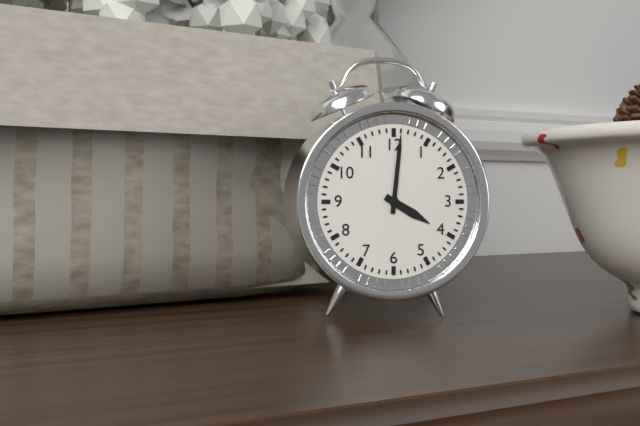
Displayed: 4h01
